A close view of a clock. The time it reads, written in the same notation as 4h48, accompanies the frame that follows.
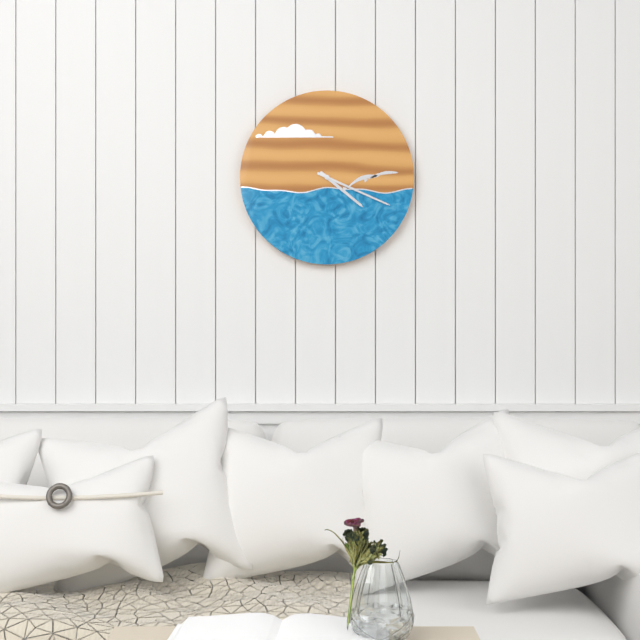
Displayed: 4h19
